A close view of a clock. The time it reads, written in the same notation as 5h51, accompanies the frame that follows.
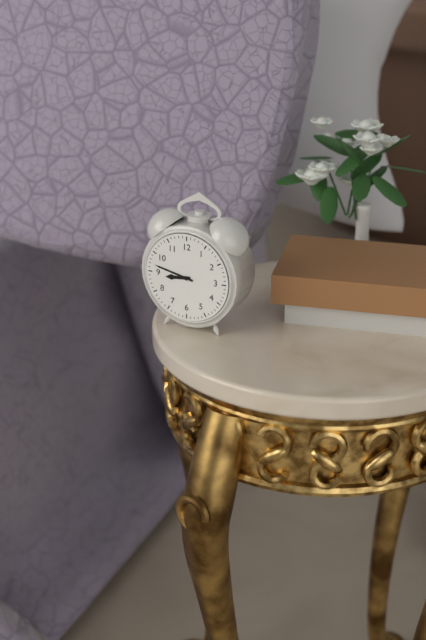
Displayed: 8h47
